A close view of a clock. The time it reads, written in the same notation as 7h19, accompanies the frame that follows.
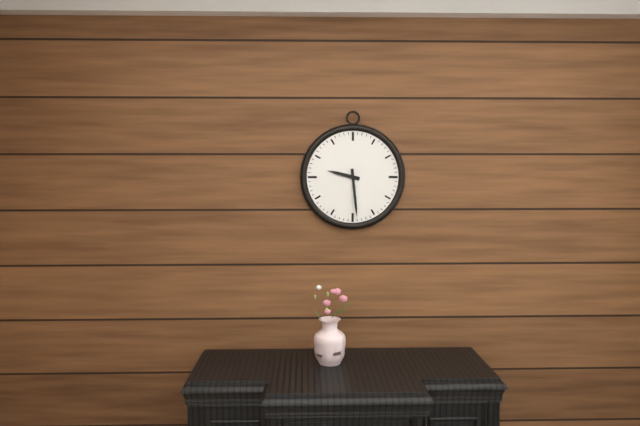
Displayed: 9h29
